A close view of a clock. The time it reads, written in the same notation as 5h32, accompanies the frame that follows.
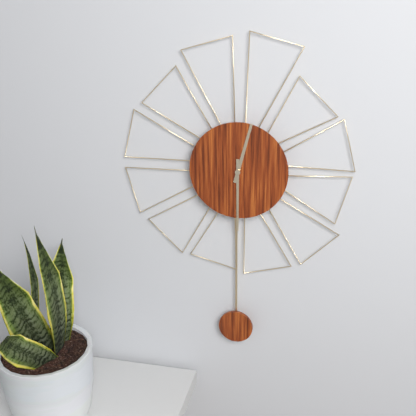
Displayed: 12h30
